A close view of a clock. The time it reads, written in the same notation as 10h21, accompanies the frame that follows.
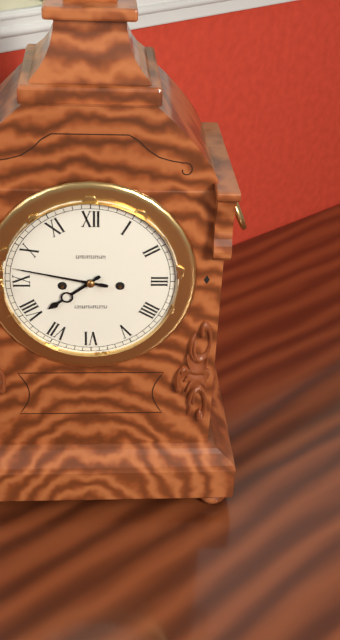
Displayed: 7h47
